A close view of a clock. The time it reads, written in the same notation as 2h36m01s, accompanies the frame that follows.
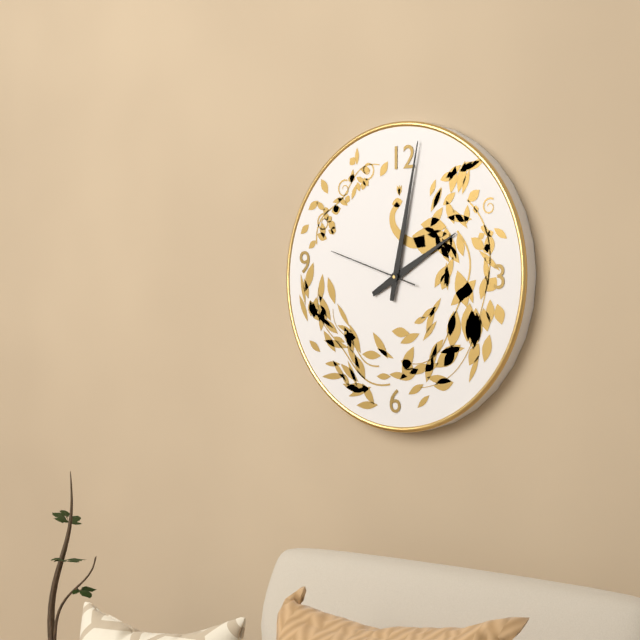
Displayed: 2h02m48s
